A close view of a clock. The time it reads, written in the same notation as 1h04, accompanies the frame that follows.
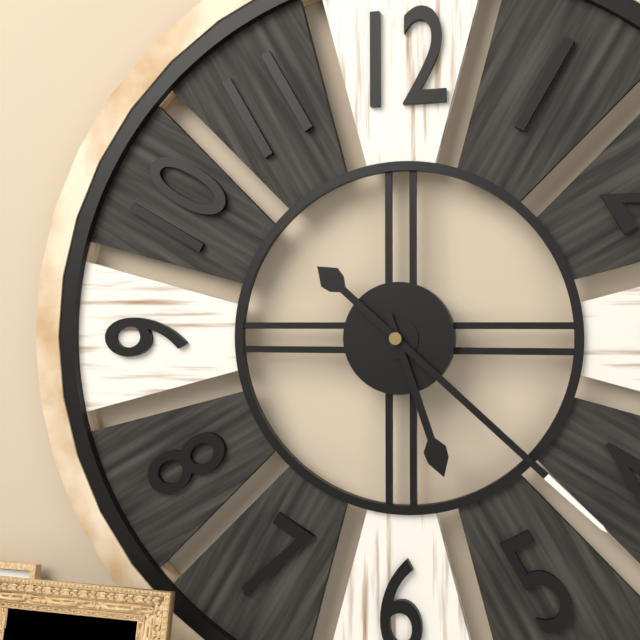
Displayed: 5h22
